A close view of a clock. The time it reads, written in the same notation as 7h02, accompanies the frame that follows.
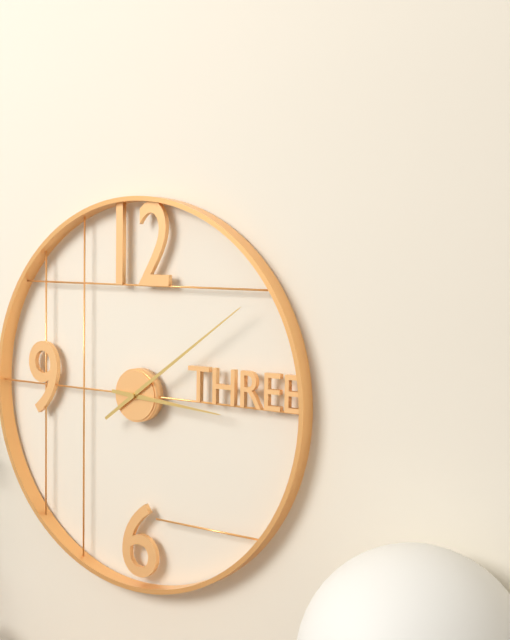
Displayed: 3h09
